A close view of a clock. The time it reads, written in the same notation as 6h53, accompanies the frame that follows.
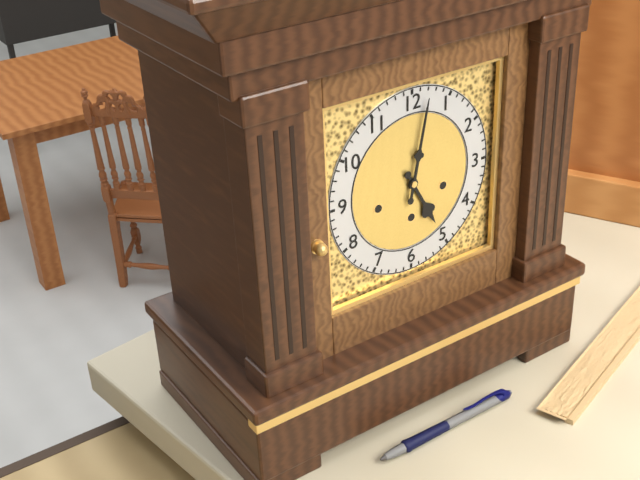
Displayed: 5h02
